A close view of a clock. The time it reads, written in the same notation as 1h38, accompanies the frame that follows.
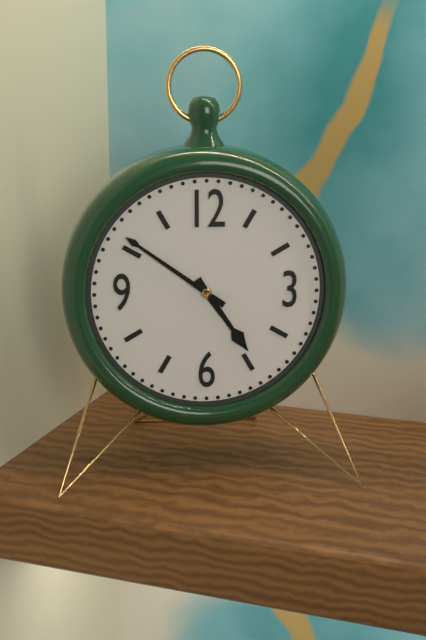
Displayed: 4h51
